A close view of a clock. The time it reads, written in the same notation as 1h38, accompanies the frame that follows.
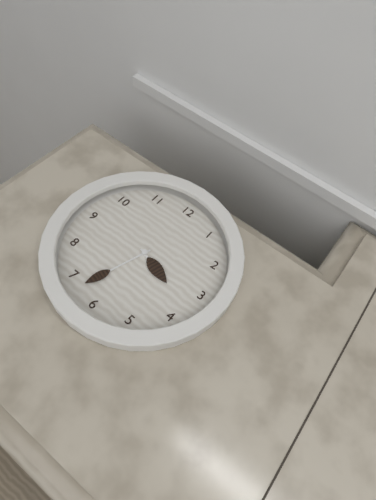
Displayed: 3h33
